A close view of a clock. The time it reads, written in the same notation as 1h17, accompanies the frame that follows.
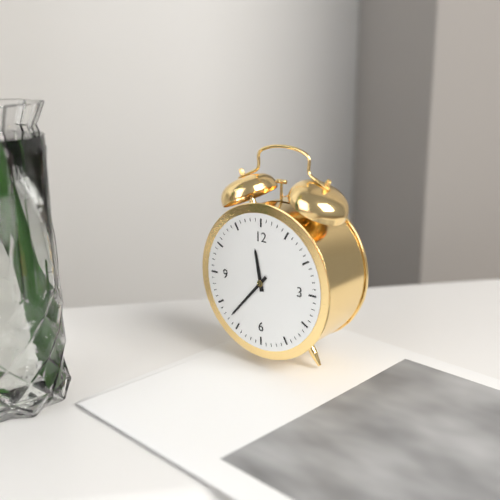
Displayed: 11h37
